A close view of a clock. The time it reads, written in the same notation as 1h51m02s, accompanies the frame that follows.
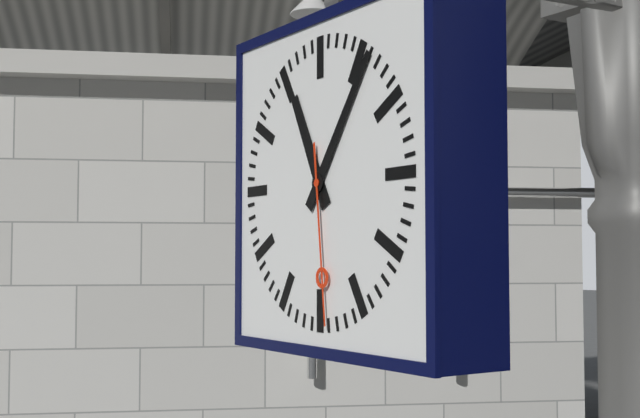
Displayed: 11h06m29s
